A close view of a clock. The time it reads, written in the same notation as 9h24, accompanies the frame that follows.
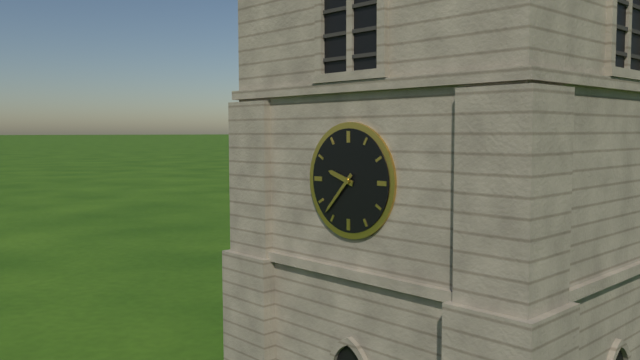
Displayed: 9h37
